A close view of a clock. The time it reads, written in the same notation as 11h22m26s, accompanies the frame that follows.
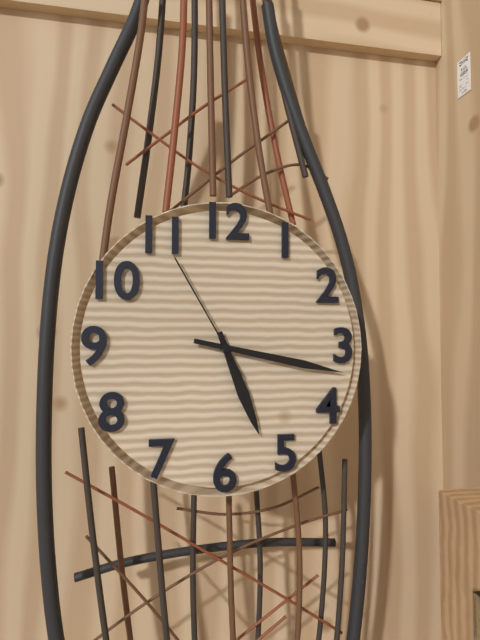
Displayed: 5h17m55s
